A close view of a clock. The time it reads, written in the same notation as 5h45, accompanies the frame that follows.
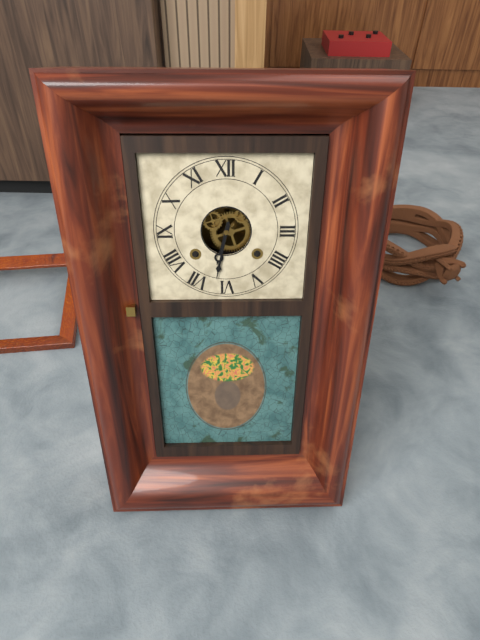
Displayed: 6h32
